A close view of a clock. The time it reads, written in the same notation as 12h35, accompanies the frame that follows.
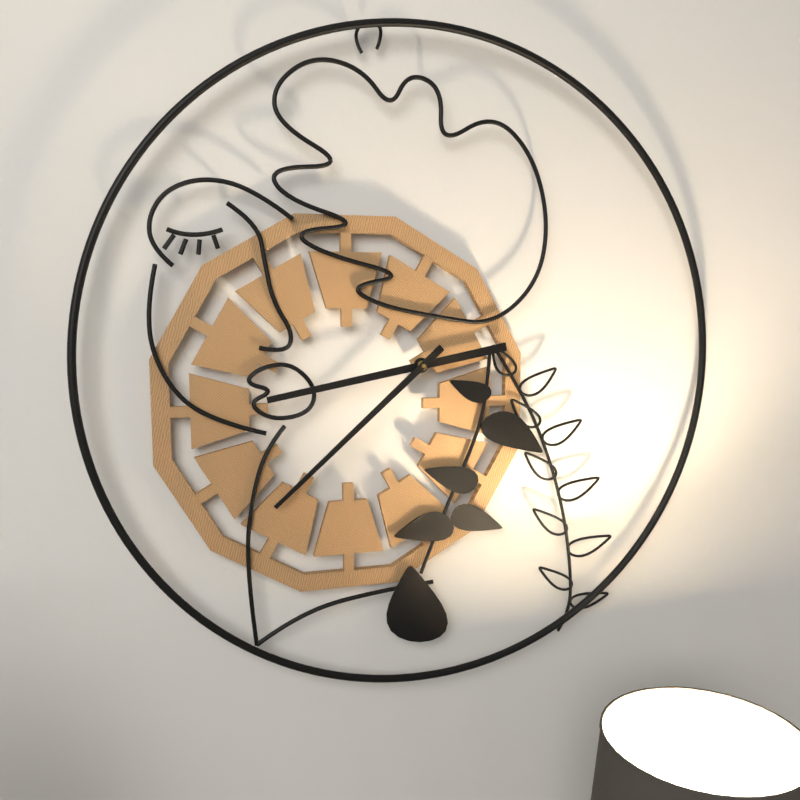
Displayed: 8h38
